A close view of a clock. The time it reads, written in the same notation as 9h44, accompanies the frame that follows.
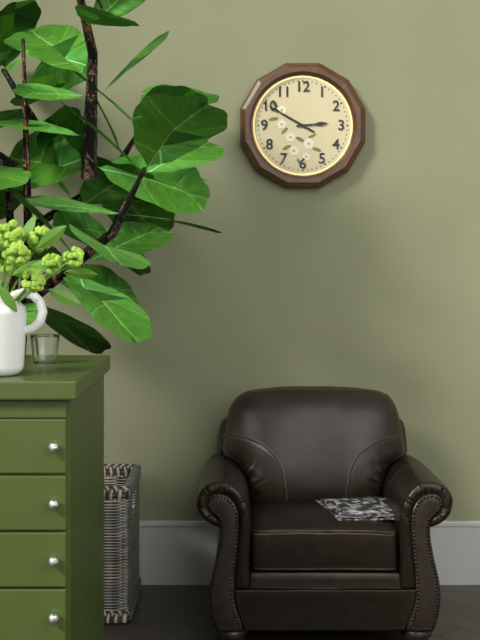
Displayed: 2h50
